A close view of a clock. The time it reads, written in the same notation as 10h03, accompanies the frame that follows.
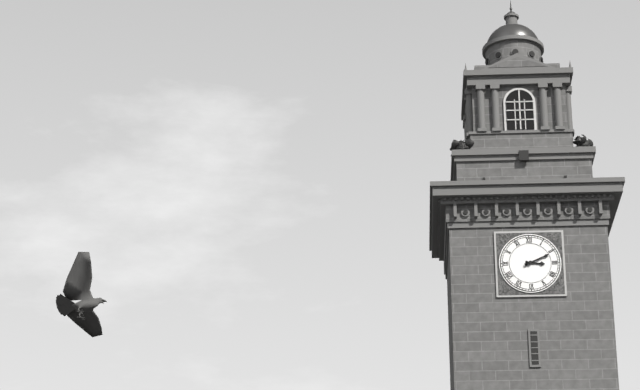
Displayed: 3h11
